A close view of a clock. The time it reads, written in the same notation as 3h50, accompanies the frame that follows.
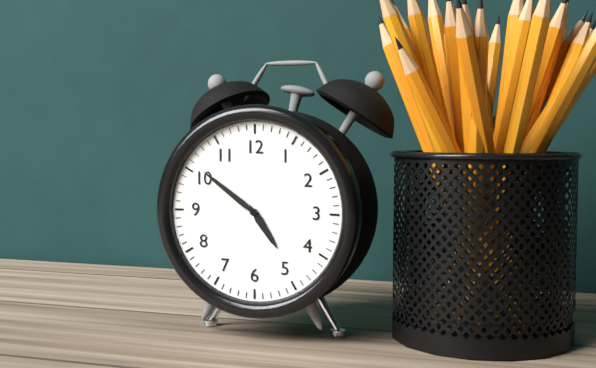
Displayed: 4h51
